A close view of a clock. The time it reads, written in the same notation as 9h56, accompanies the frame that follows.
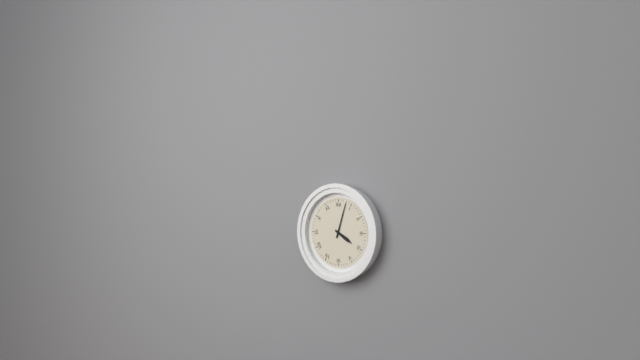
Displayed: 4h03
